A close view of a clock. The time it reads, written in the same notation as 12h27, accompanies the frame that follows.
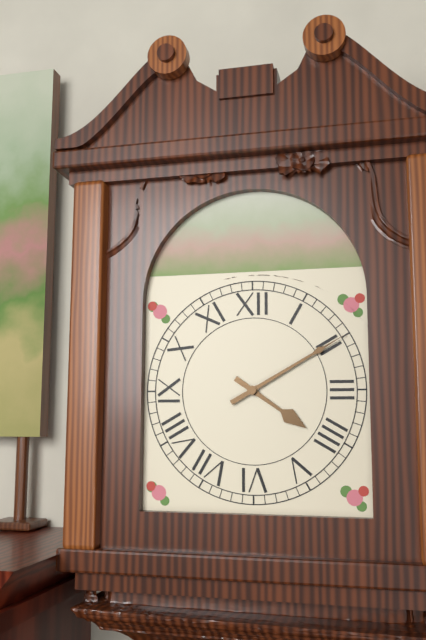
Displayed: 4h10
